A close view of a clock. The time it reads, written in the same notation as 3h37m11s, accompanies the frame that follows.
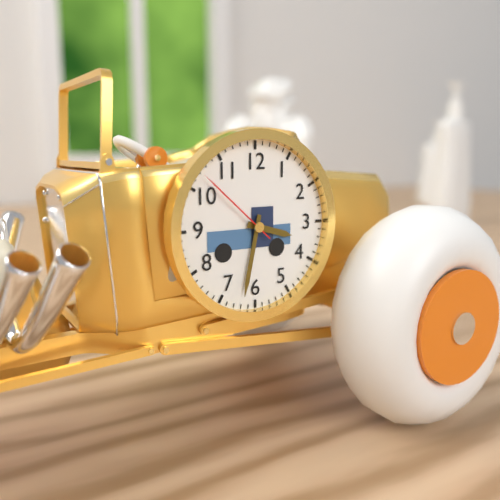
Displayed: 3h32m52s
